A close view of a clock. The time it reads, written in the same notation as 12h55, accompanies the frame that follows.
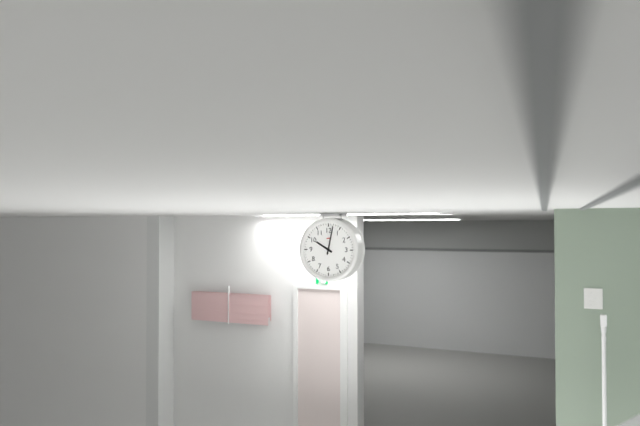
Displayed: 10h02
